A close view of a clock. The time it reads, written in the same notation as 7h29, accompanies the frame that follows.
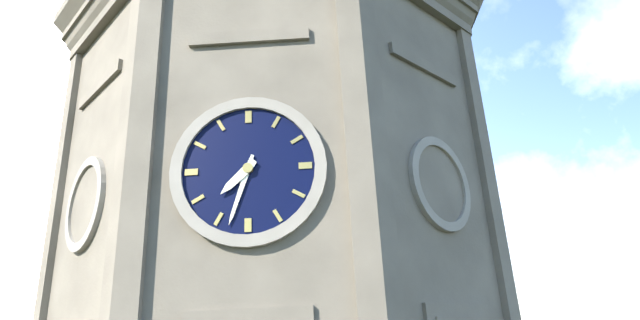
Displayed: 7h33
